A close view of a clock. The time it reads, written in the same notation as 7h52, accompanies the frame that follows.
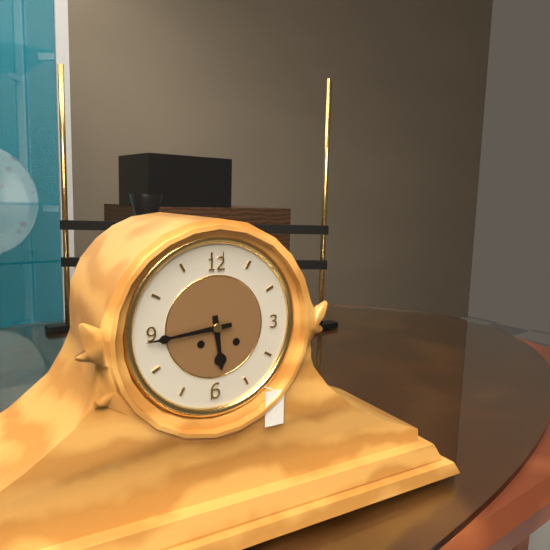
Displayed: 5h44
